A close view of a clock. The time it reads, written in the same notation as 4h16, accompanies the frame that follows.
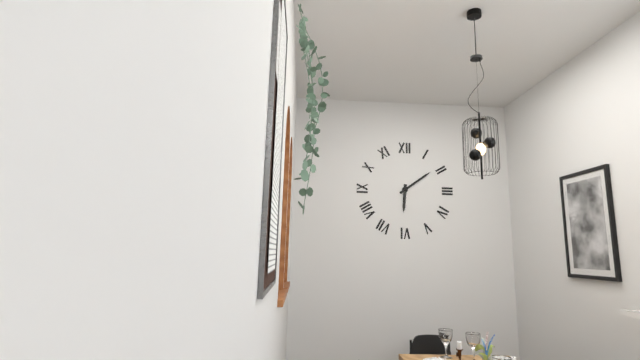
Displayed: 6h09
